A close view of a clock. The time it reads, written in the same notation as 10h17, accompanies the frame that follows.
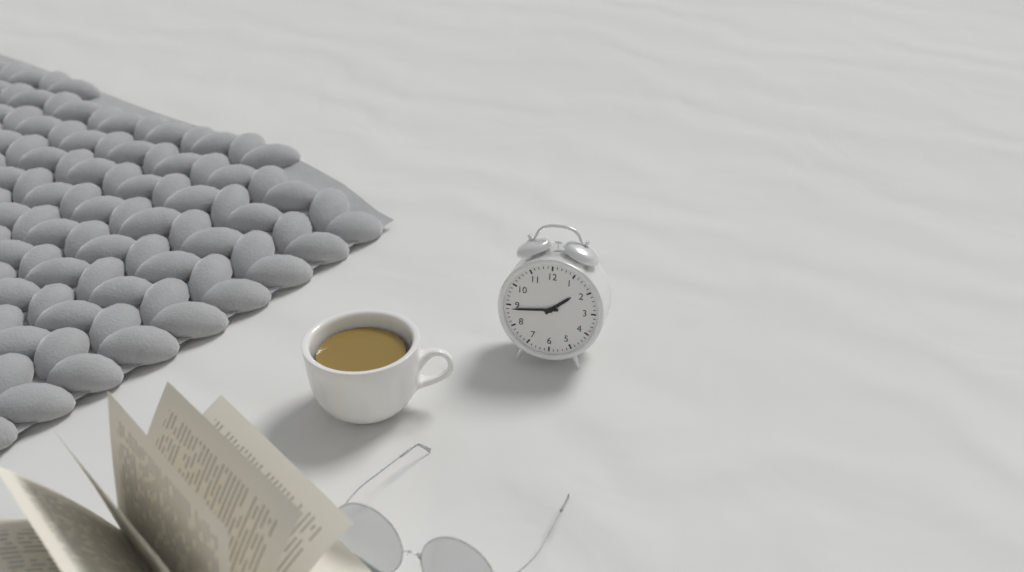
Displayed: 1h44
